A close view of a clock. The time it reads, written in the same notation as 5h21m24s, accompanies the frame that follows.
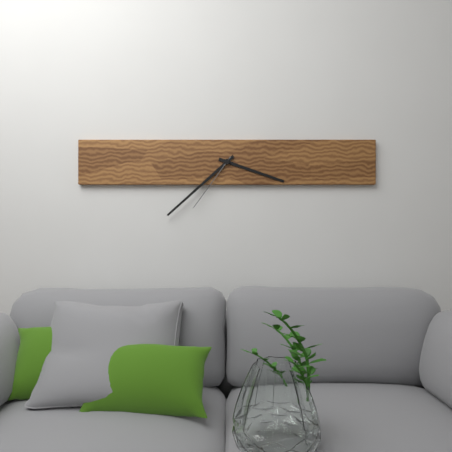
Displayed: 3h38m36s
